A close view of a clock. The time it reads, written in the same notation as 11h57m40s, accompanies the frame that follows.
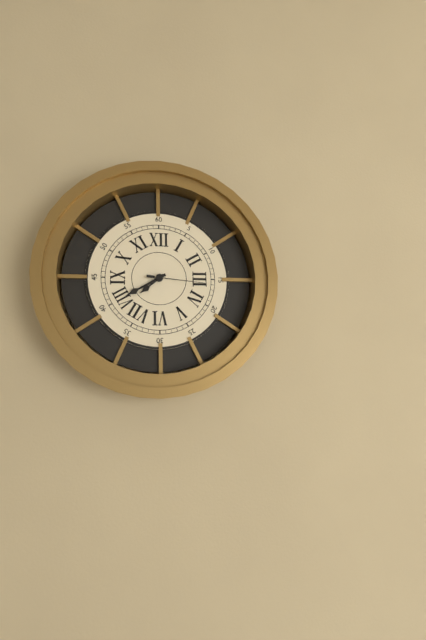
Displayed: 7h40m16s
